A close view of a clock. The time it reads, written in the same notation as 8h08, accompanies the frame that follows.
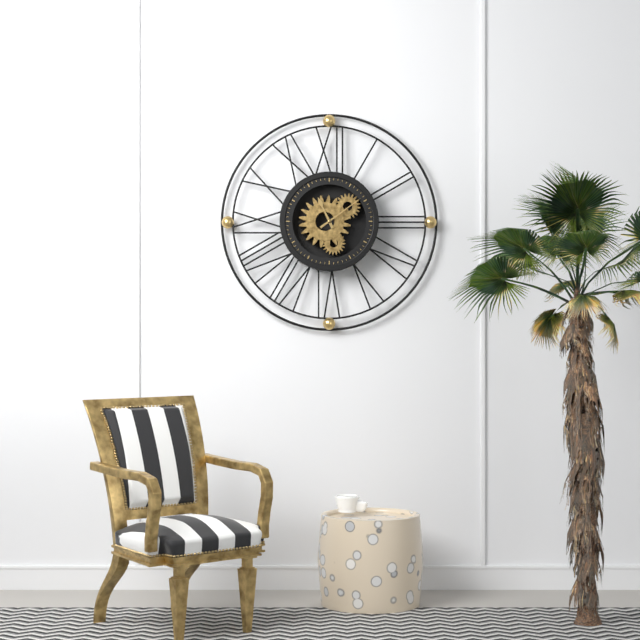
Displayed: 11h09
